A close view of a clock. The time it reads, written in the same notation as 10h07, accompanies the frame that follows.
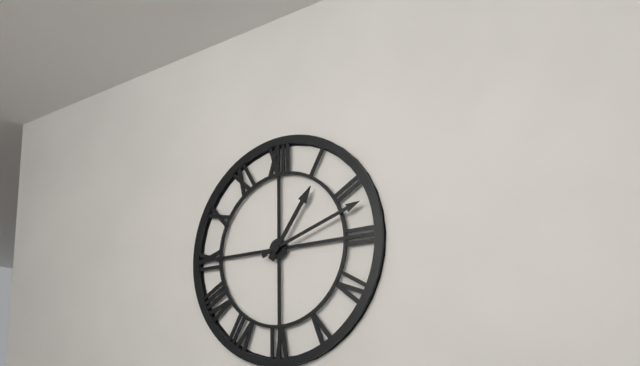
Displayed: 1h12
